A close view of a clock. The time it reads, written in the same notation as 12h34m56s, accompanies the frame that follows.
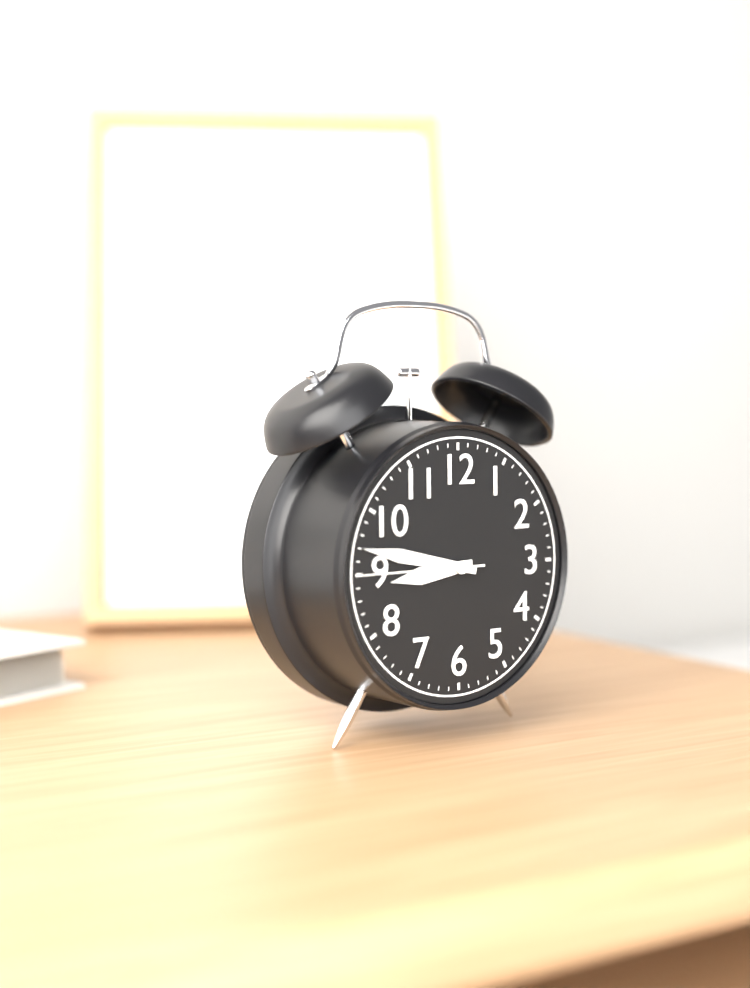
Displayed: 8h47m45s
